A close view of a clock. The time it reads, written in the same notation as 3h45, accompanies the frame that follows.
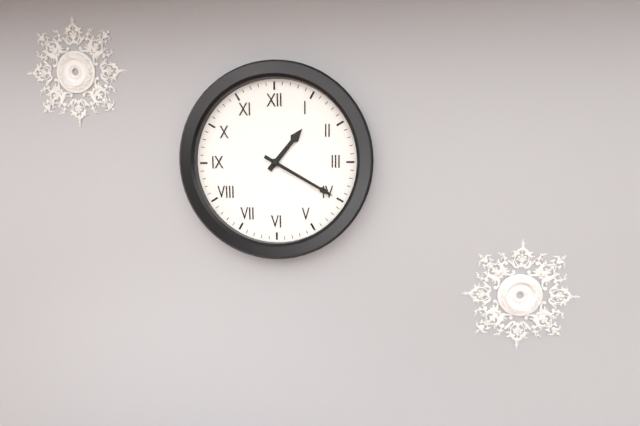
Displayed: 1h20
